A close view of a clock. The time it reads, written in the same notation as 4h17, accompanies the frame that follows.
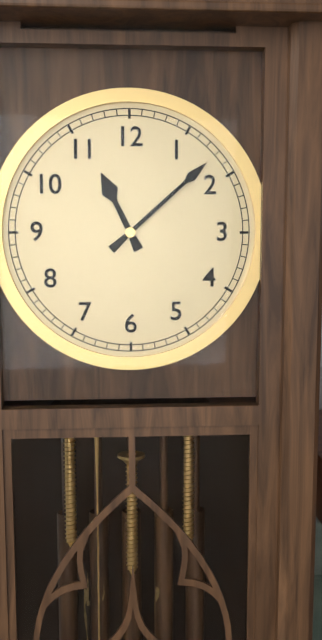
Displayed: 11h08
